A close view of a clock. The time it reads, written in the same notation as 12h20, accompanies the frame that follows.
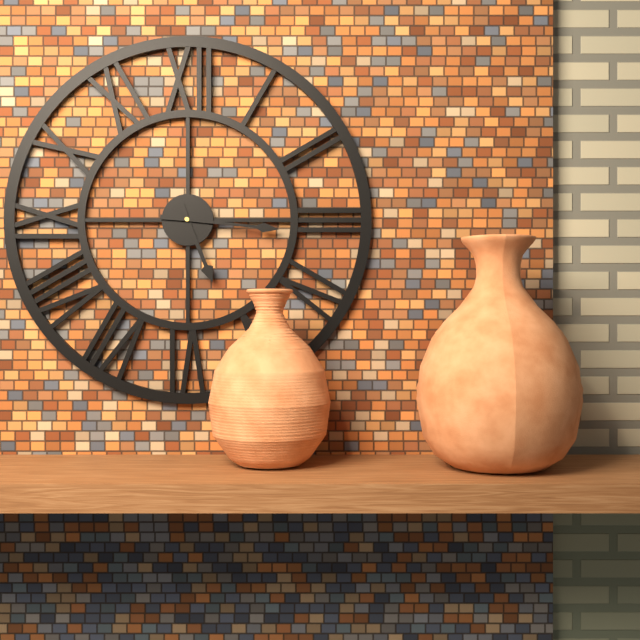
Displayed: 5h16
